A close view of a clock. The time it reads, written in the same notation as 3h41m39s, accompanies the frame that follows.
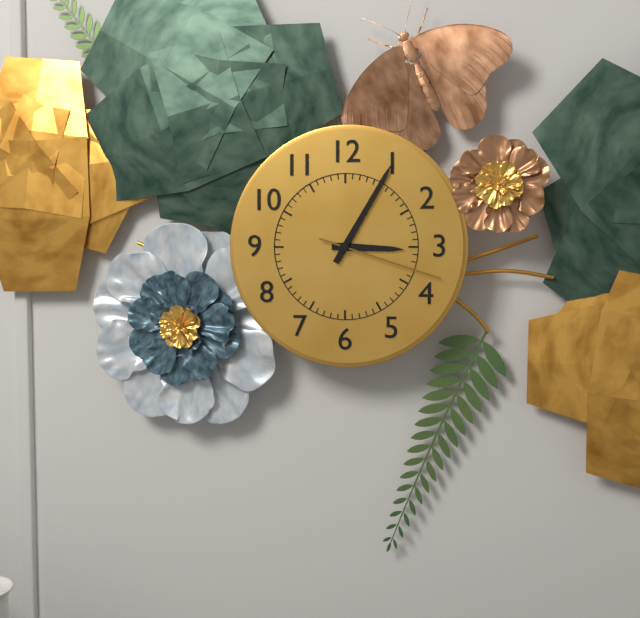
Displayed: 3h05m18s
